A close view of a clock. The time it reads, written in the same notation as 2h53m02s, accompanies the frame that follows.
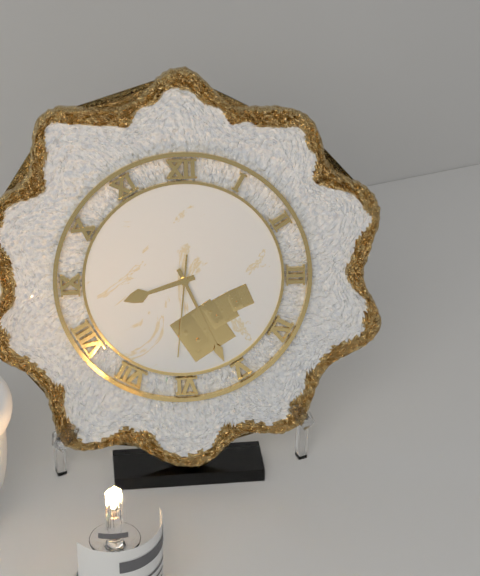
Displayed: 8h26m31s
